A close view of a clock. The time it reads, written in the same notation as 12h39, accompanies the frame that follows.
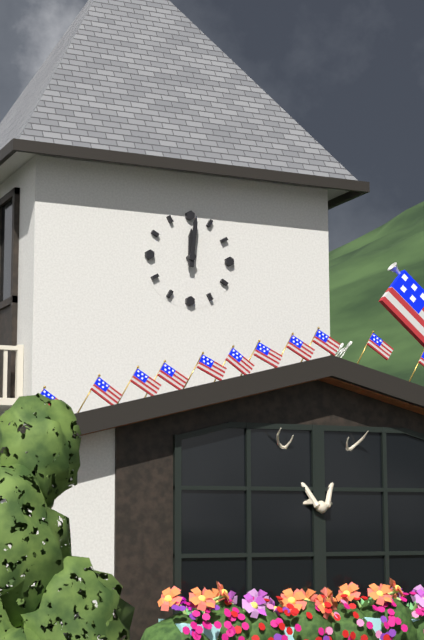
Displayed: 12h01
